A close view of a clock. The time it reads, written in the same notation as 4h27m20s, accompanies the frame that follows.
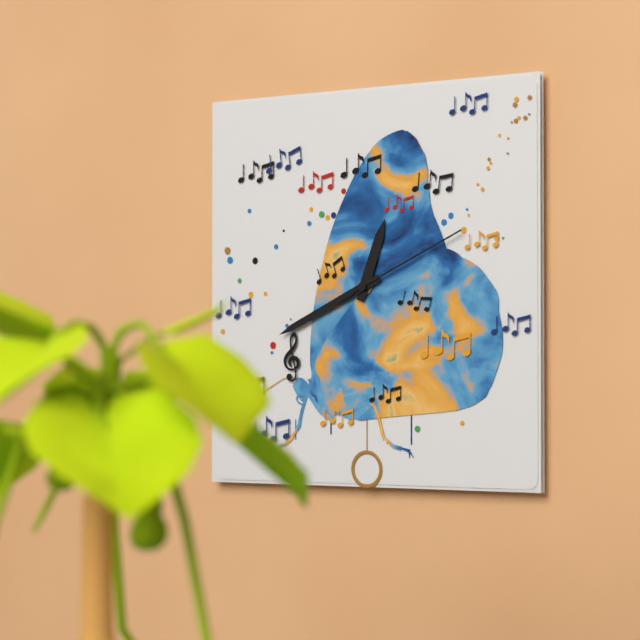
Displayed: 12h41m11s
